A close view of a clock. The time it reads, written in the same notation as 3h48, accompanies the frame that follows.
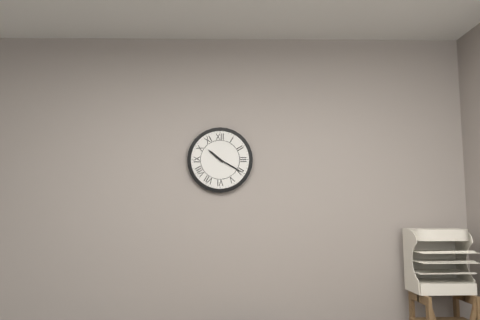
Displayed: 10h20
